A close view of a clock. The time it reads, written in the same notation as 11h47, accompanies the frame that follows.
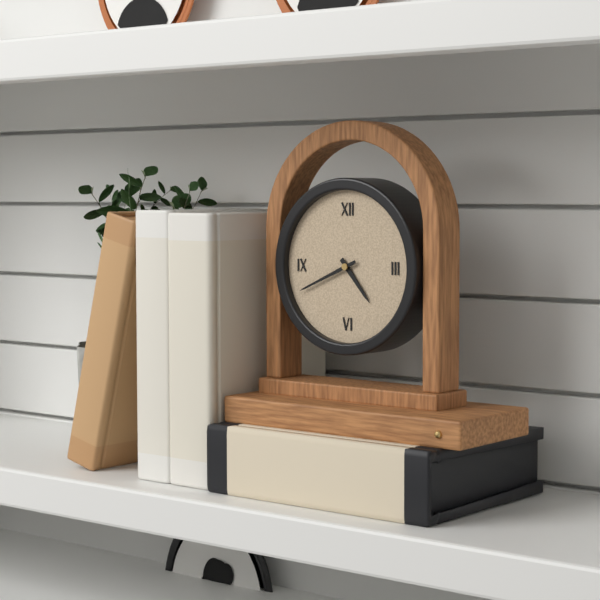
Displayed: 4h41
